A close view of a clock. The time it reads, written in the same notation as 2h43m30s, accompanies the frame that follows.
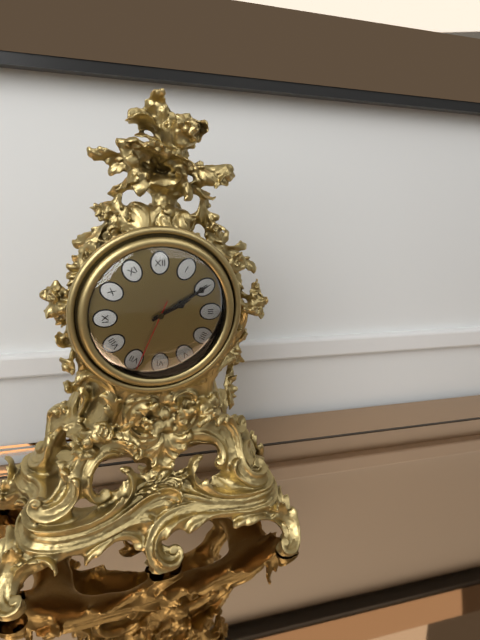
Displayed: 2h10m34s
